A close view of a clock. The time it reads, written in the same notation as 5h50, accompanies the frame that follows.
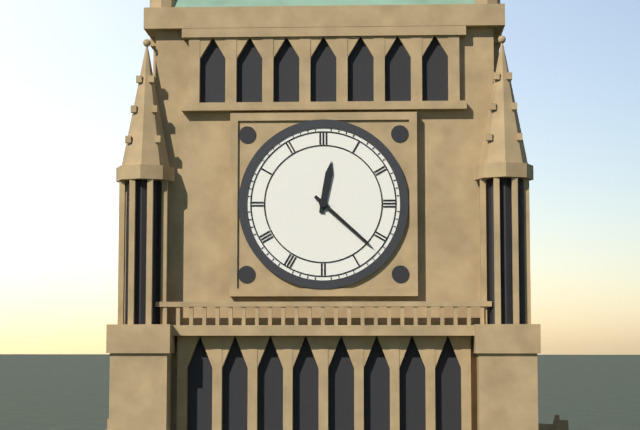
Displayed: 12h22
